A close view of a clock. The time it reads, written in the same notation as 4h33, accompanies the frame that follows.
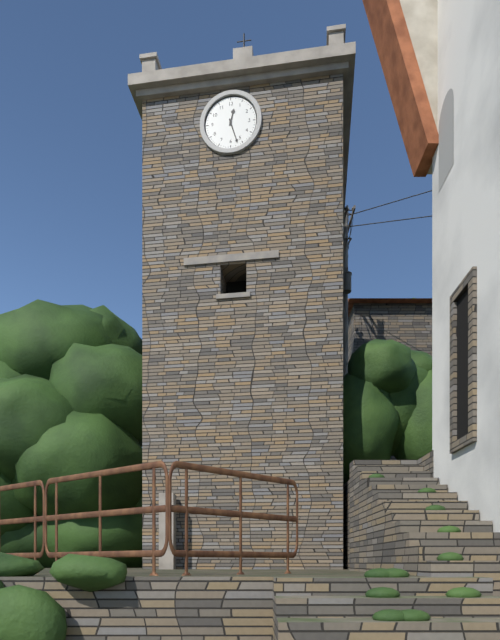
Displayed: 12h27
